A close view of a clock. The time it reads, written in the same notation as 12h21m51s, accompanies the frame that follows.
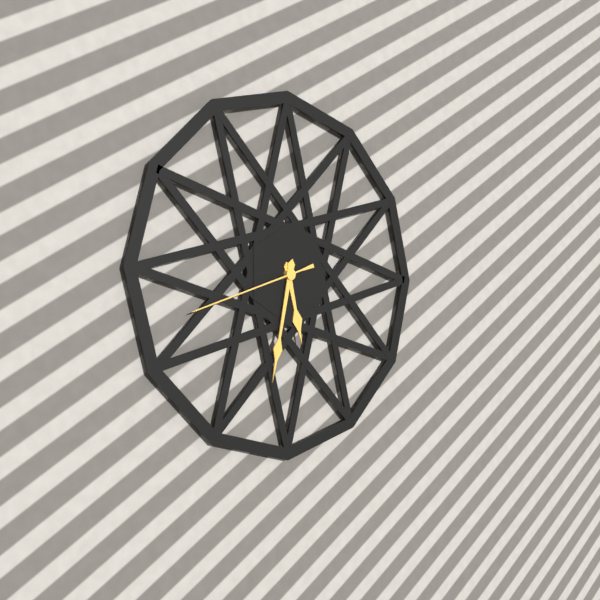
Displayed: 5h32m42s
